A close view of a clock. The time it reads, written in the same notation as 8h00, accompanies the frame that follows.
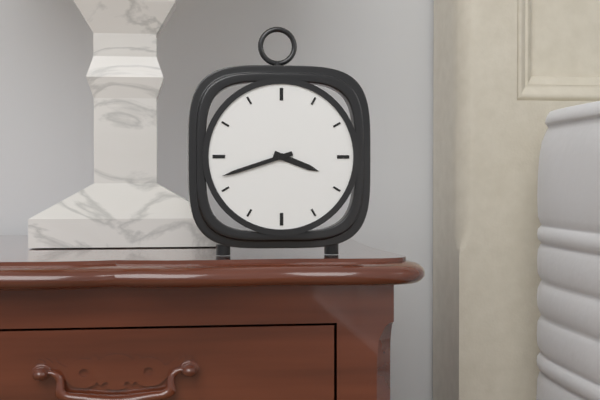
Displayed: 3h42
